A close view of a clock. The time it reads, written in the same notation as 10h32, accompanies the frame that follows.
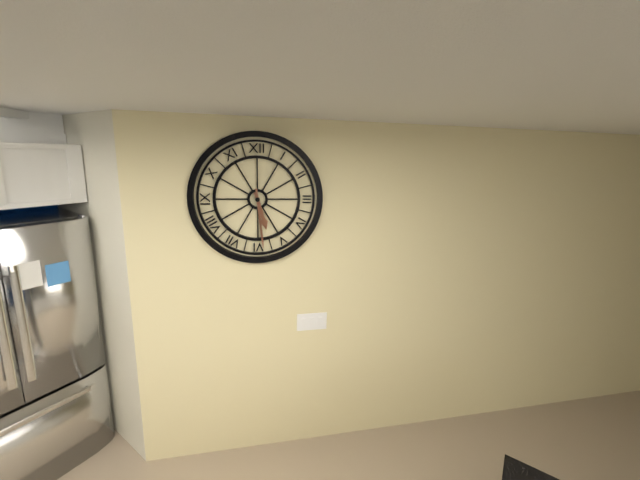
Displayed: 5h29
